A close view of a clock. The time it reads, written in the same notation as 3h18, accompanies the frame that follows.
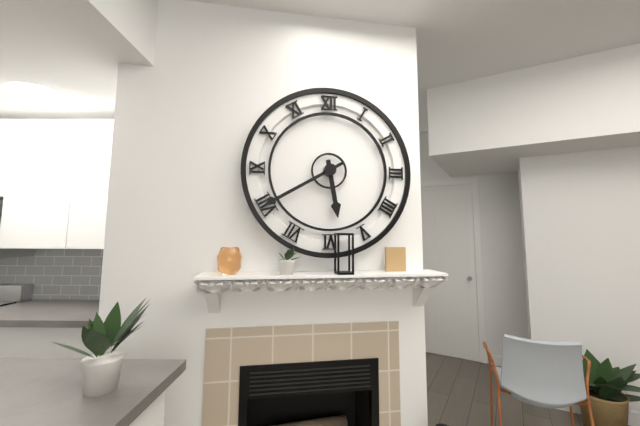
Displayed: 5h40
